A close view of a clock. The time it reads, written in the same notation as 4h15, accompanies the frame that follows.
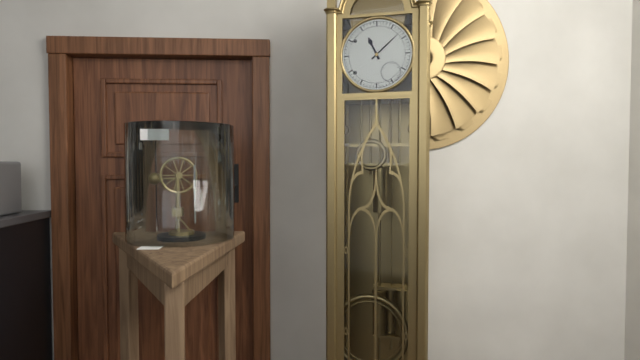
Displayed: 11h08
